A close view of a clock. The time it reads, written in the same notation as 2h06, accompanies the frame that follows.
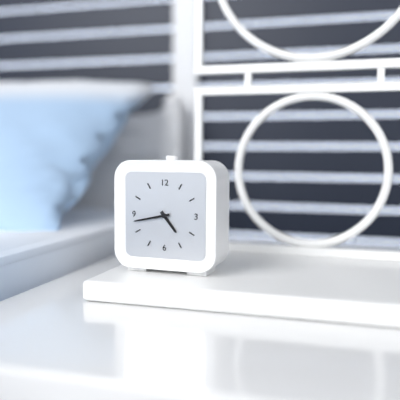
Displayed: 4h43
